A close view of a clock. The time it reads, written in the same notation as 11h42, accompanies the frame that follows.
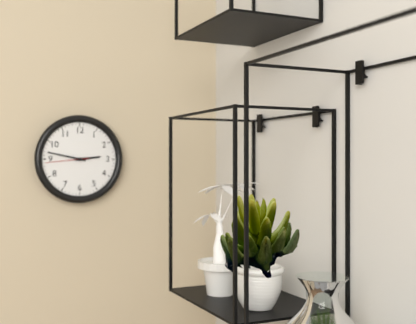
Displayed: 2h47
